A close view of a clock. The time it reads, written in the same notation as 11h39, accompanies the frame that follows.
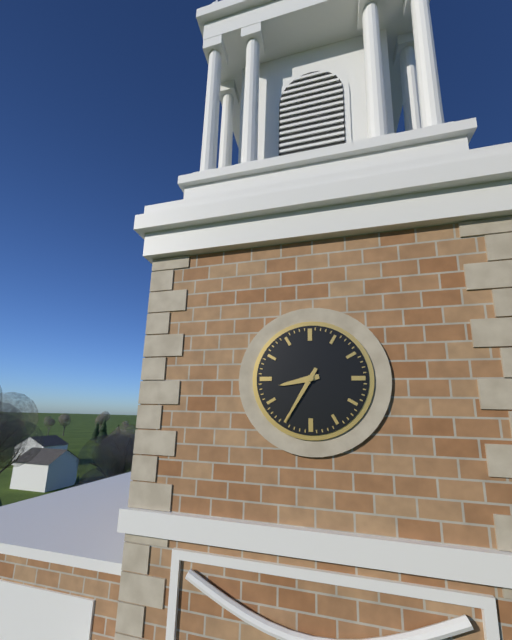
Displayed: 8h35
